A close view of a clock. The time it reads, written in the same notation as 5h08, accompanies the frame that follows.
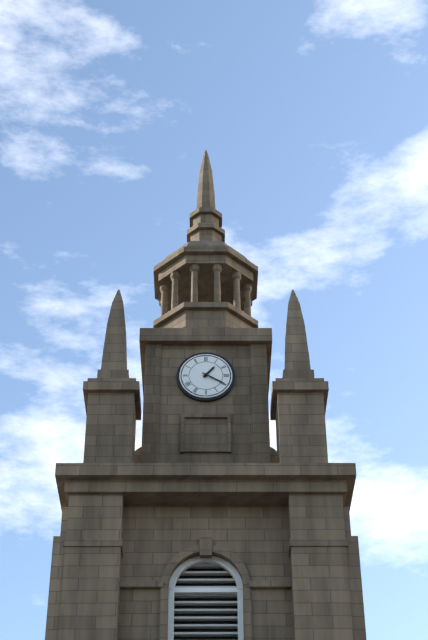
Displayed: 1h20
